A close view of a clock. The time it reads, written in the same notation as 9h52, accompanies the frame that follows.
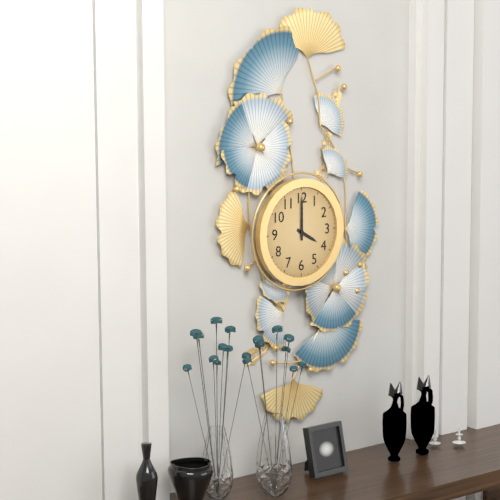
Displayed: 4h00
